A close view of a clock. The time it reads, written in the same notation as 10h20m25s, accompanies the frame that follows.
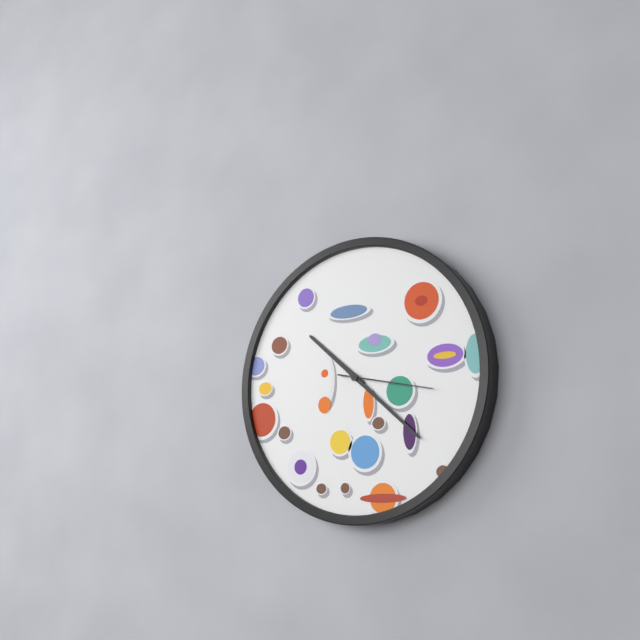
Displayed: 10h22m17s
